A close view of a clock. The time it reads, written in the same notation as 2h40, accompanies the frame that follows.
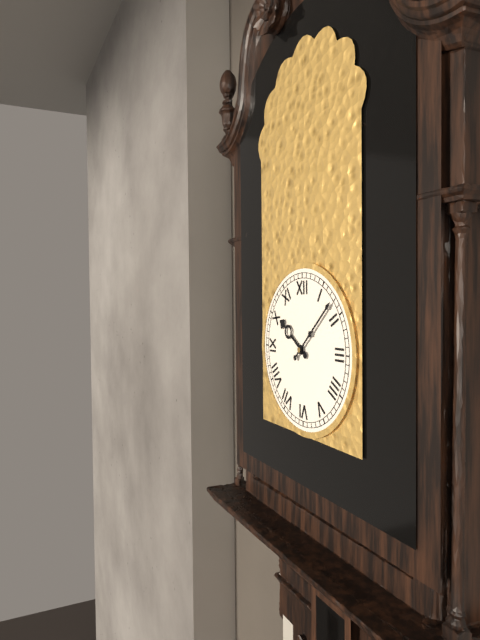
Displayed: 10h08
